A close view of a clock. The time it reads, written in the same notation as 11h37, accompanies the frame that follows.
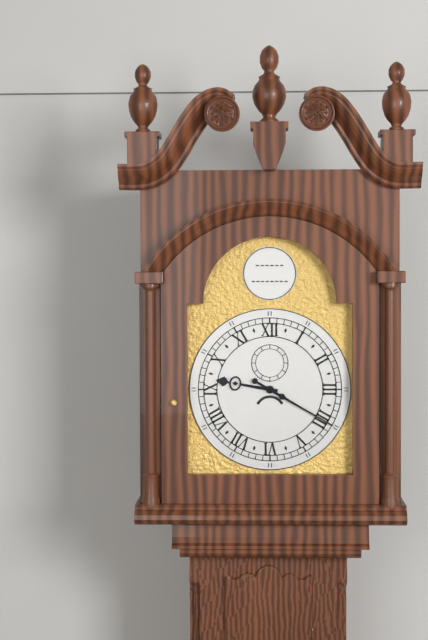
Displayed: 9h20
